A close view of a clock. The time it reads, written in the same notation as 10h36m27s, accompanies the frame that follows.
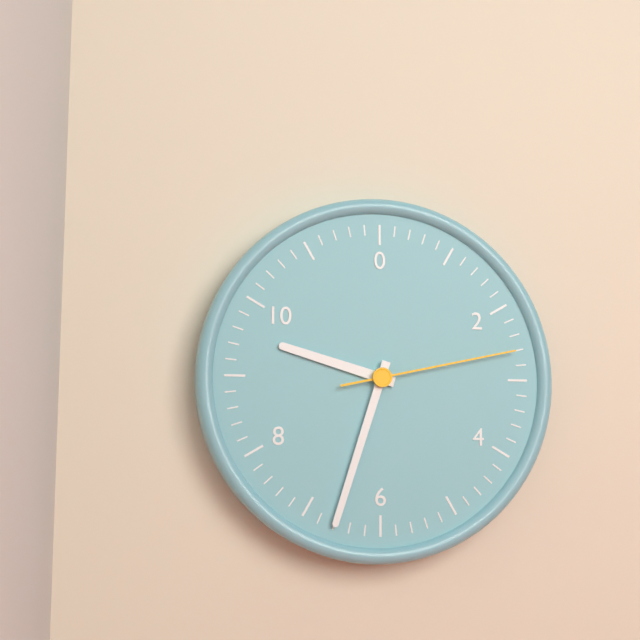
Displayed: 9h33m13s
